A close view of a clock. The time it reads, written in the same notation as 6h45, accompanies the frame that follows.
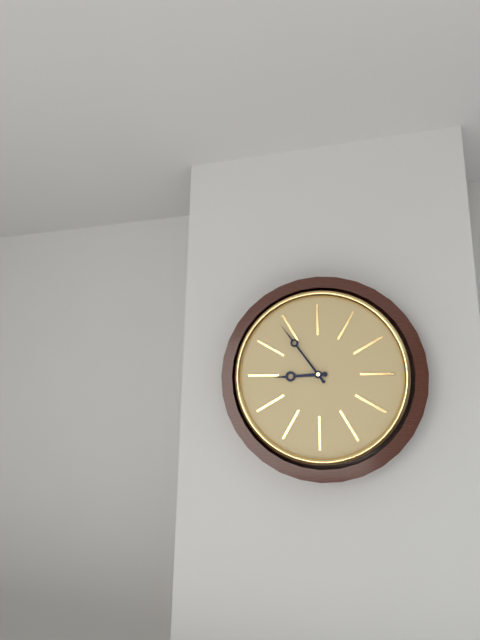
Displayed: 8h54
